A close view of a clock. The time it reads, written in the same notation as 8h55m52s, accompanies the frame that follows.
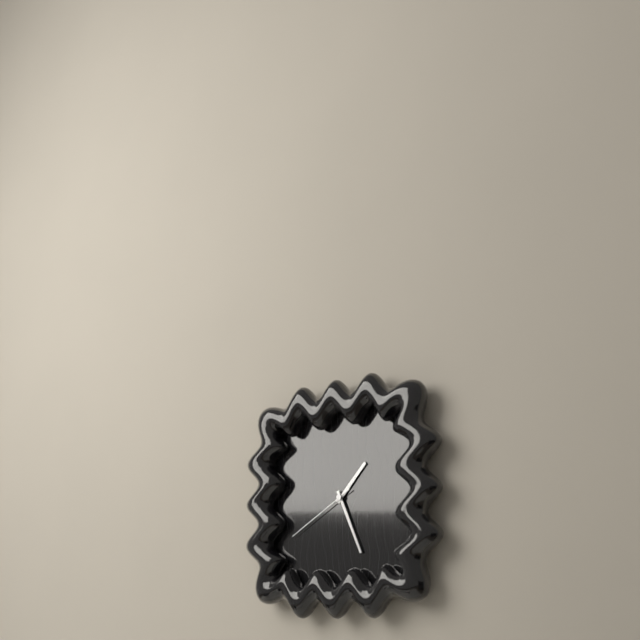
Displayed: 1h26m40s
